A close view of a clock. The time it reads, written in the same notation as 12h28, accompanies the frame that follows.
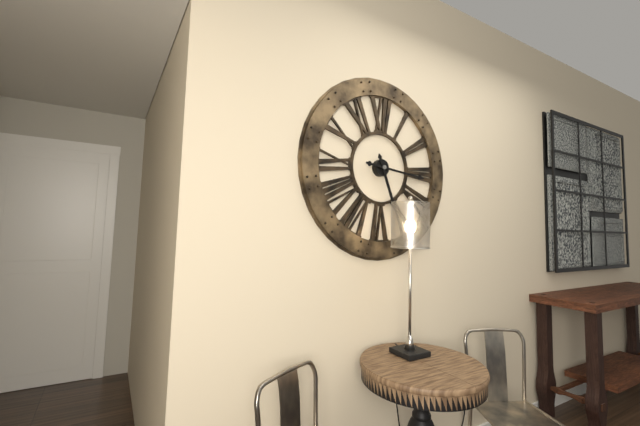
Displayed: 5h16
